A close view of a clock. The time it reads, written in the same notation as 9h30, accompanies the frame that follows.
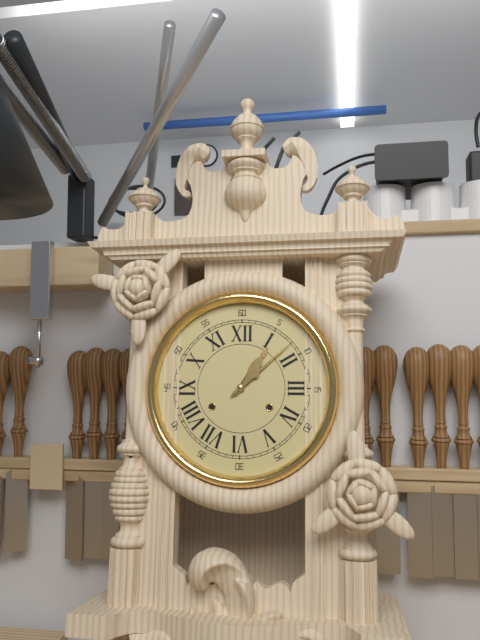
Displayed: 1h08
